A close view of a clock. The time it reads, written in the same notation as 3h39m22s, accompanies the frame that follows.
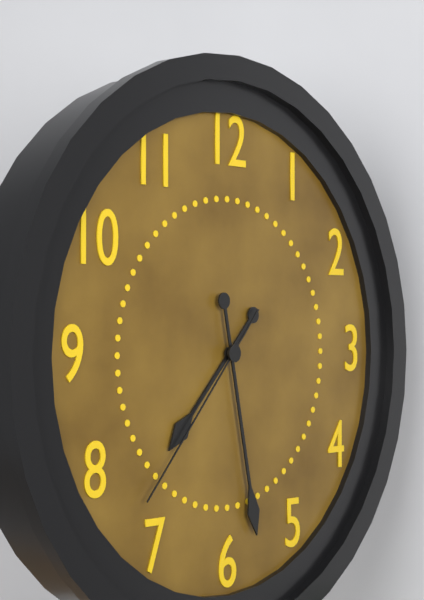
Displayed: 7h28m37s
